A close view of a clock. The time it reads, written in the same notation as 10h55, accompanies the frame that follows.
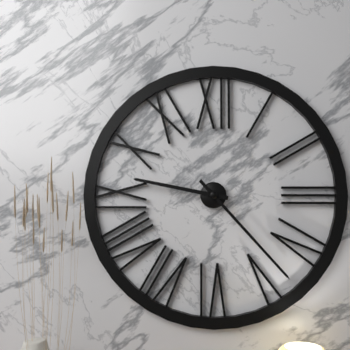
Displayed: 9h23
